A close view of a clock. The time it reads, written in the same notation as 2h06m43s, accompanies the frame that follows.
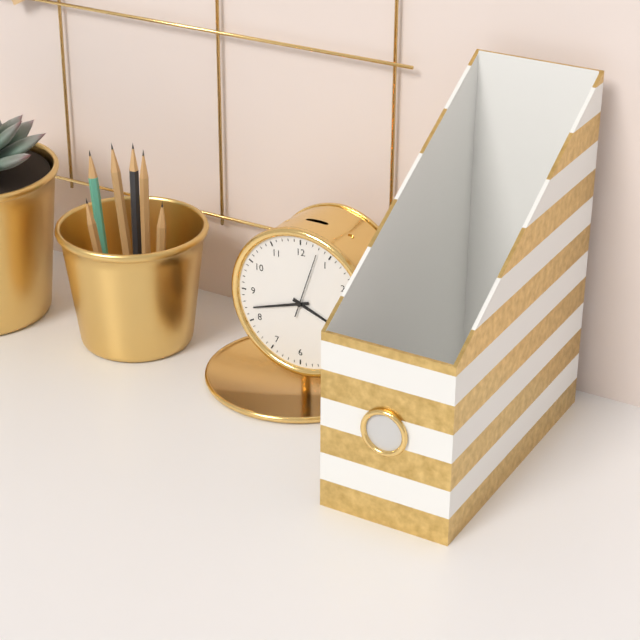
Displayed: 3h42m03s
